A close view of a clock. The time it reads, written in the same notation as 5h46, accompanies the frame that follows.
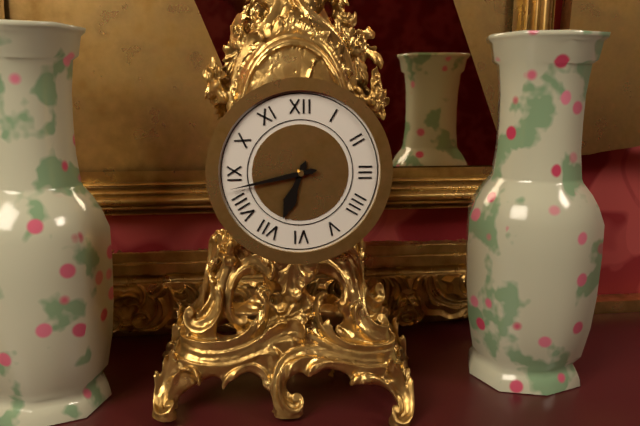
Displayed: 6h43
